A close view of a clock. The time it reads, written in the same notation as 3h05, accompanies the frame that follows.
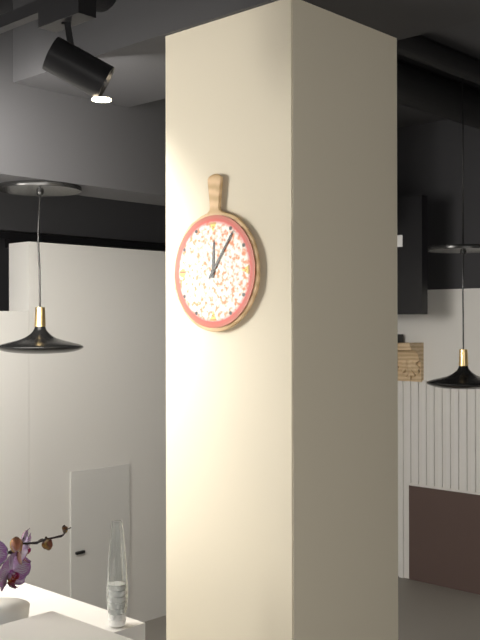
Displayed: 12h06
